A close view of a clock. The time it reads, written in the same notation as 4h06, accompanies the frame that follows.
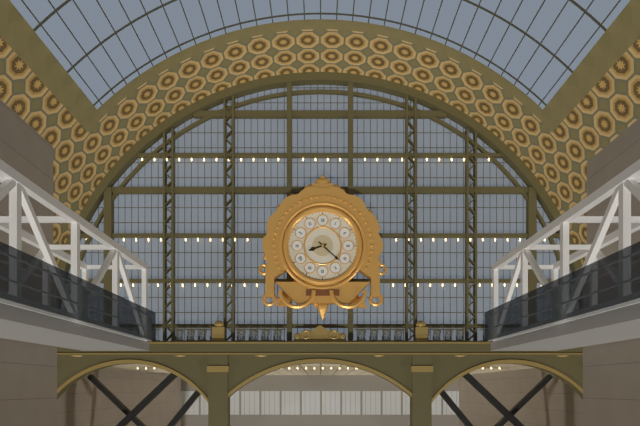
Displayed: 8h22
